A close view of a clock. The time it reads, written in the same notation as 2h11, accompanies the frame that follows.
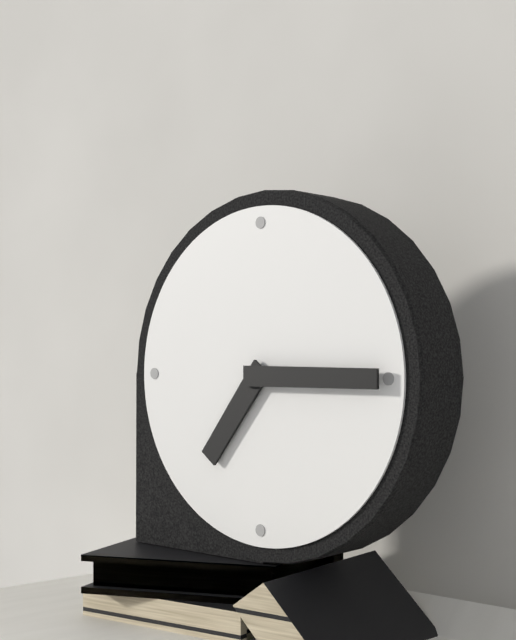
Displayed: 7h15
